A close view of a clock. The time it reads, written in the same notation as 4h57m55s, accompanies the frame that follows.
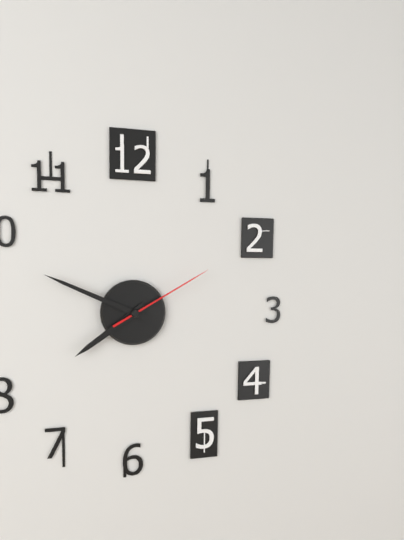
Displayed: 7h49m10s
